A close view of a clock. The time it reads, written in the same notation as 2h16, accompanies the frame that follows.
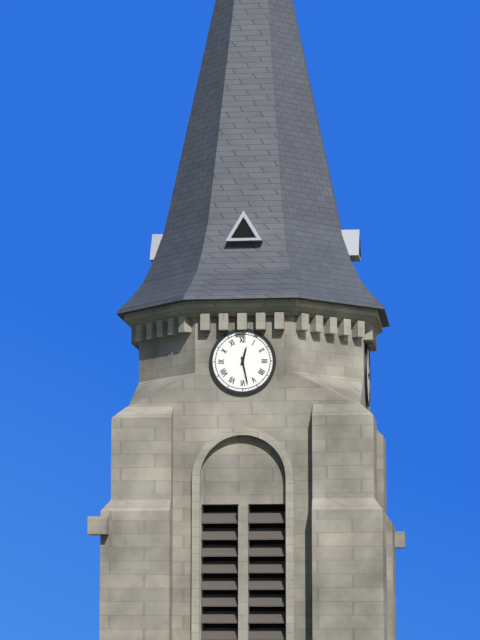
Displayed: 12h28
